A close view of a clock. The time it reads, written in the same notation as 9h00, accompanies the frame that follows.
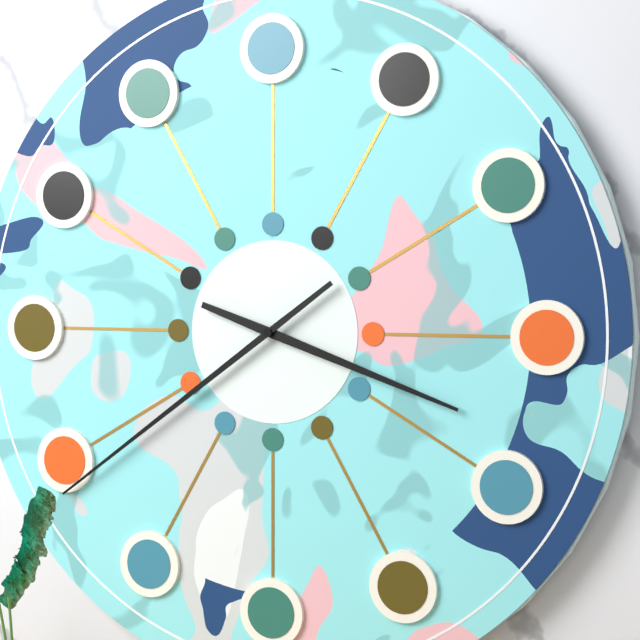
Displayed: 3h39
